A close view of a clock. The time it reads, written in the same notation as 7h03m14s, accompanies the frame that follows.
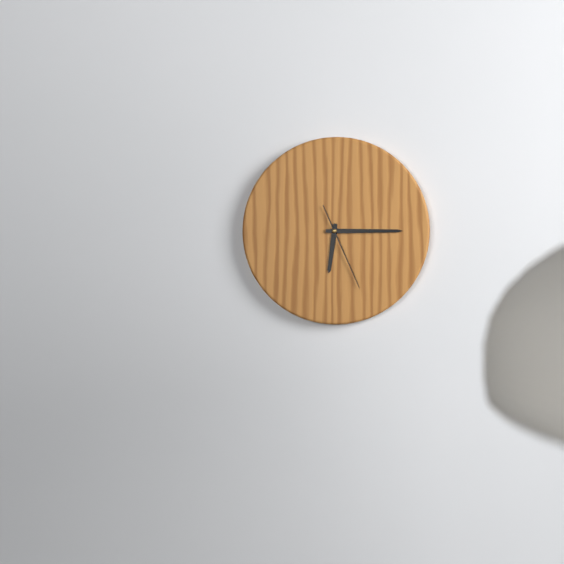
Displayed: 6h15m26s
